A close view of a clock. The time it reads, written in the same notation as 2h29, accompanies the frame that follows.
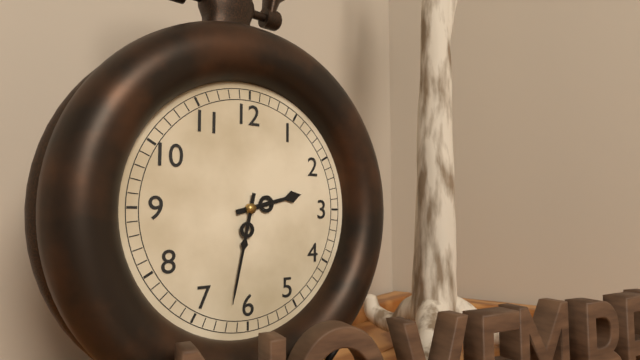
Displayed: 2h32
